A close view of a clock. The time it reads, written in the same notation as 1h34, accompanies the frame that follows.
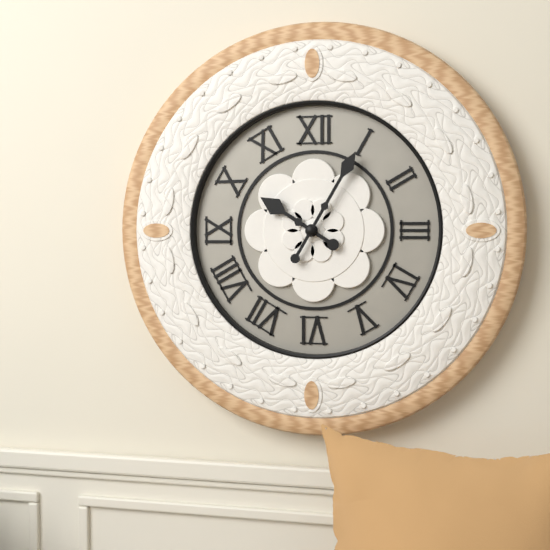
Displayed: 10h05
